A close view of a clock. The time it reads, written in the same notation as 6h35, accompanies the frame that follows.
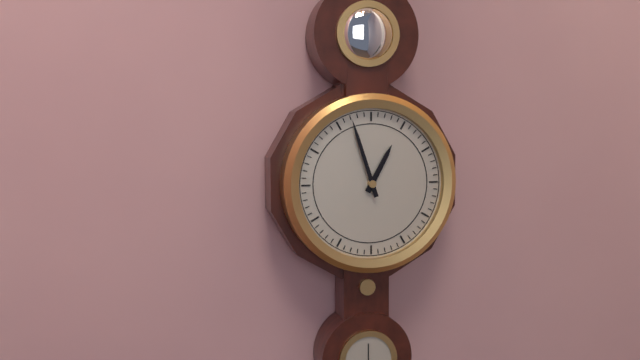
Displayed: 12h57
